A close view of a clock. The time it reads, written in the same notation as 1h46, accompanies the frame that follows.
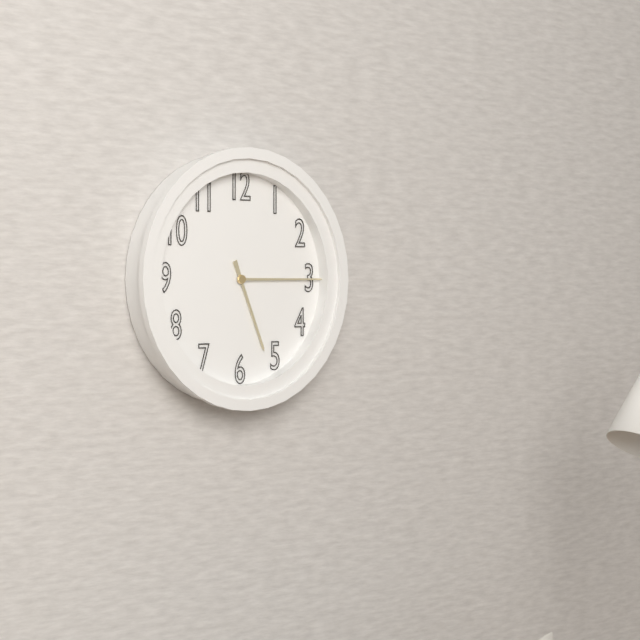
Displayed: 5h15
